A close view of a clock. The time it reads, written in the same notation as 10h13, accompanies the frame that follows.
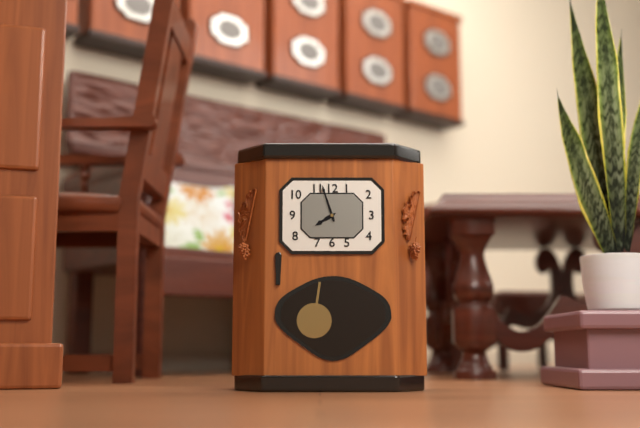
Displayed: 7h57
